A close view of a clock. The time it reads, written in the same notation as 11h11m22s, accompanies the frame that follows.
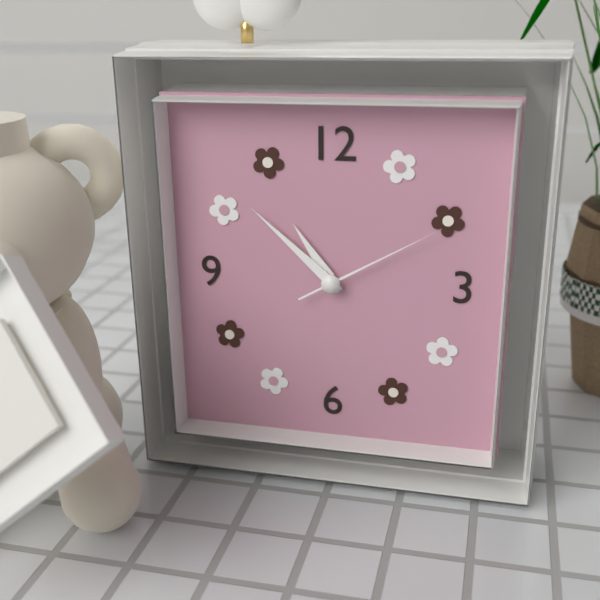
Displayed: 10h52m10s
